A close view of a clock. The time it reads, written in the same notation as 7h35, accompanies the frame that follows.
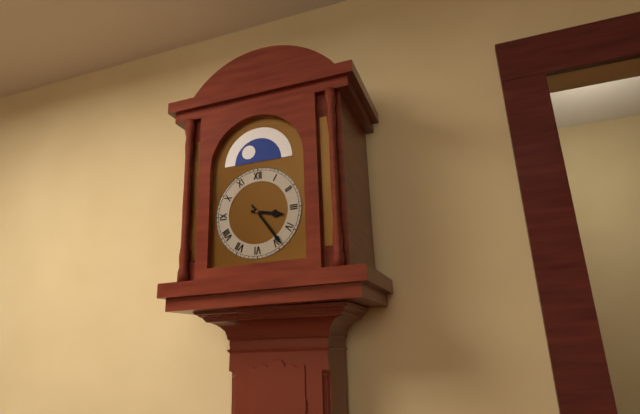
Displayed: 3h24
